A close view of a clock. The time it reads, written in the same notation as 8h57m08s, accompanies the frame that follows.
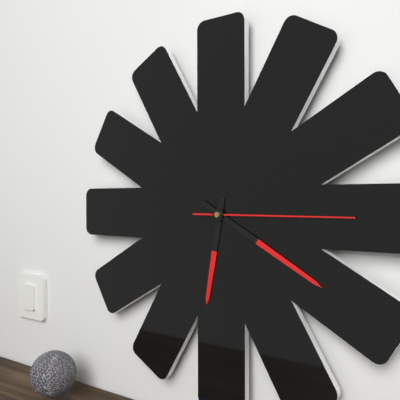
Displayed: 6h20m15s
